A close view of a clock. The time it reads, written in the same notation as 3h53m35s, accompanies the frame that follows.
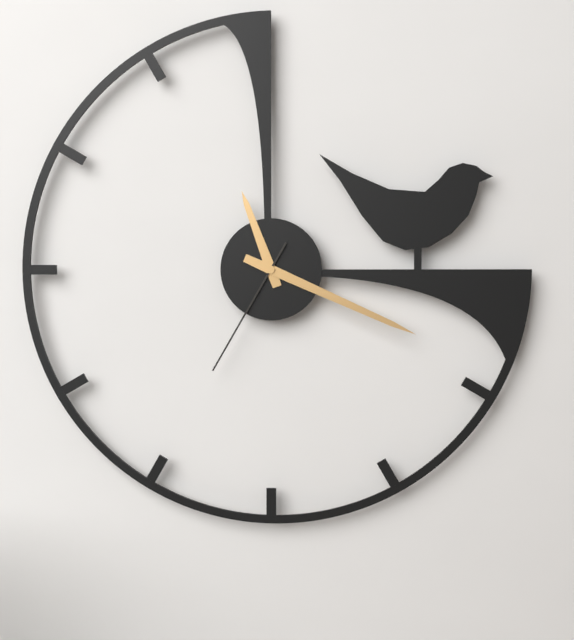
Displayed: 11h19m35s
